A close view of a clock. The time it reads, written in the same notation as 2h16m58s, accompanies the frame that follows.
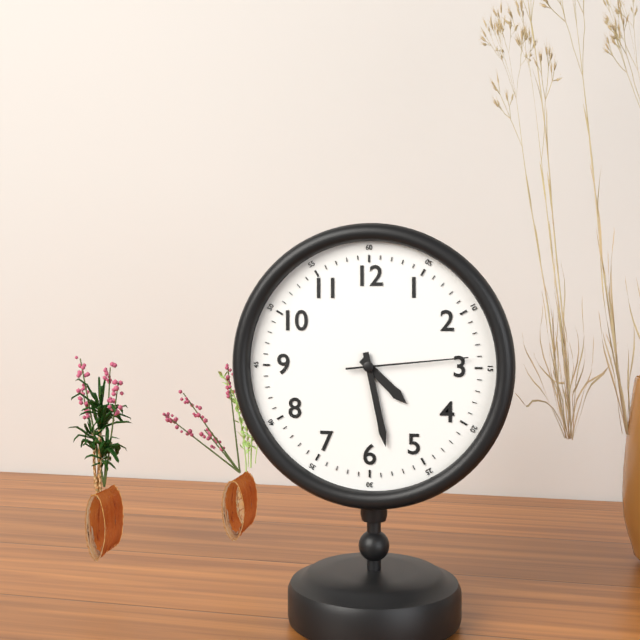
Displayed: 4h28m14s
